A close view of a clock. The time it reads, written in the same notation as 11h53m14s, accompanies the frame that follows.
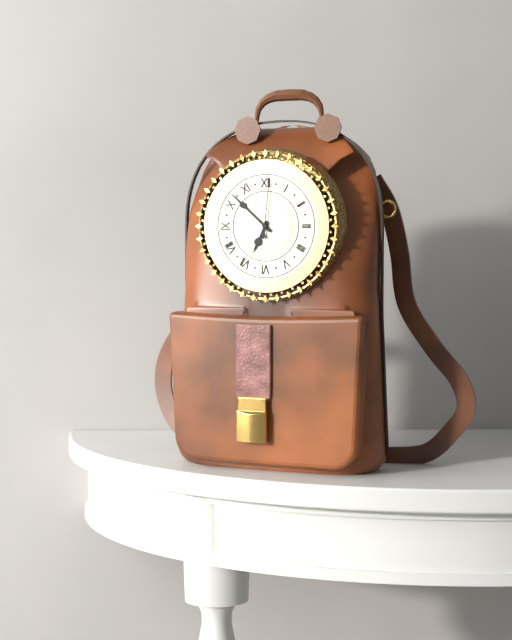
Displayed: 6h52m01s
